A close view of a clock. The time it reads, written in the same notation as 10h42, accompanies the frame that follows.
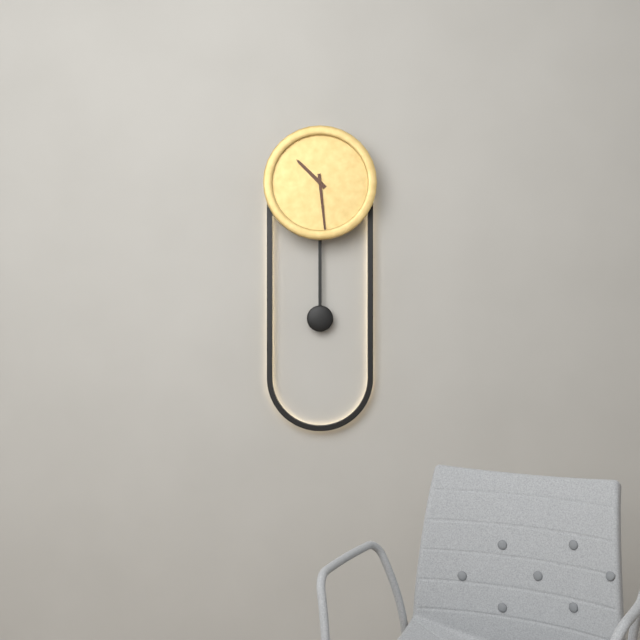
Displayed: 10h29
